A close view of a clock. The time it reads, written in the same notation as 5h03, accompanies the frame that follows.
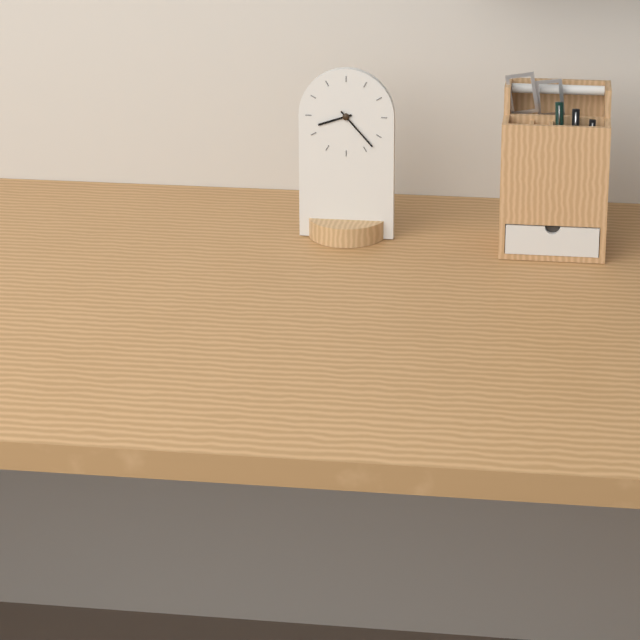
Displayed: 8h23
